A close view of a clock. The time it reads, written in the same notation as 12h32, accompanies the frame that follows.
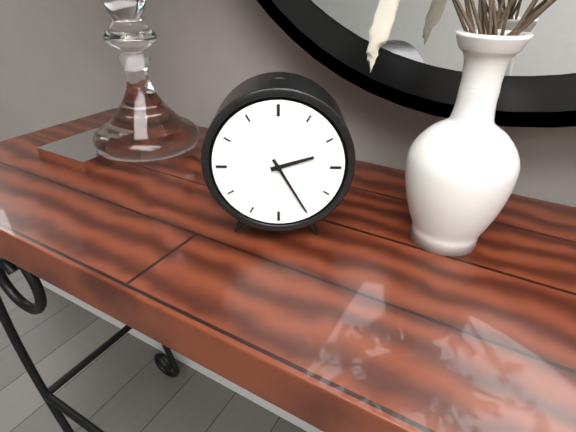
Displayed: 2h25
